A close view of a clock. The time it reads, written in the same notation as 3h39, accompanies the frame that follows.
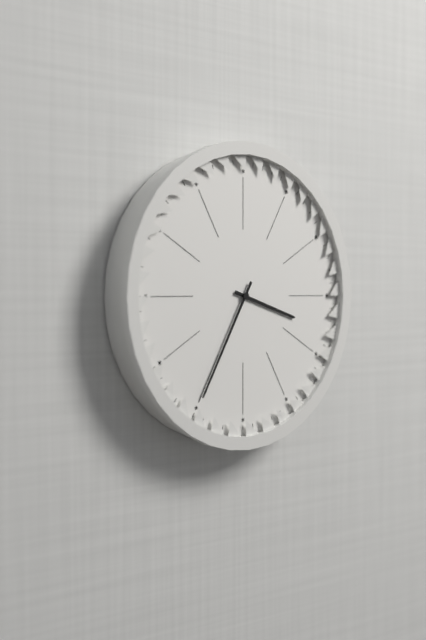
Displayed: 3h35
